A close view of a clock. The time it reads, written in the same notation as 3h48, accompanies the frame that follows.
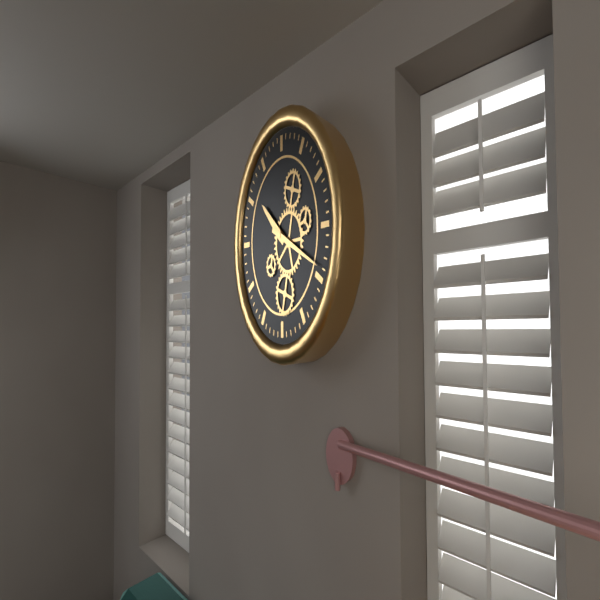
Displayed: 10h19
